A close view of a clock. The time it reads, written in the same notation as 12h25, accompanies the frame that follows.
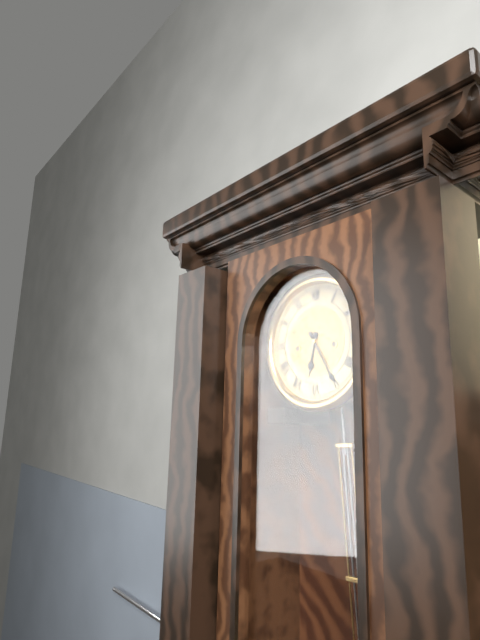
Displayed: 6h25
